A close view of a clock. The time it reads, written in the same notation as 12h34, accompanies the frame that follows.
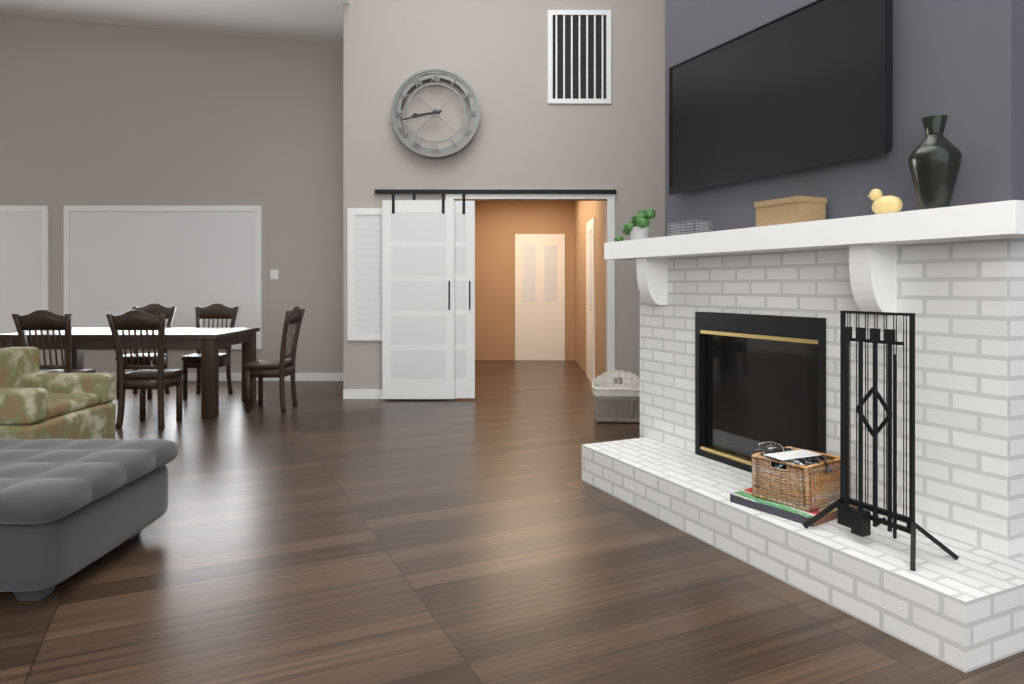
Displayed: 8h43
